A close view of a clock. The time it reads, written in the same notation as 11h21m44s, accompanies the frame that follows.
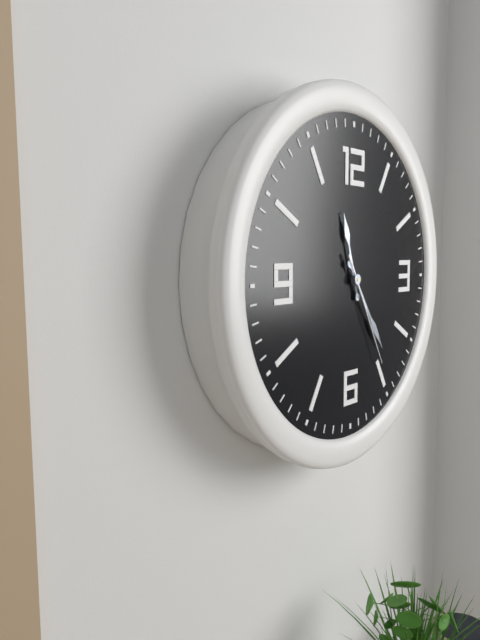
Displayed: 11h24m25s
